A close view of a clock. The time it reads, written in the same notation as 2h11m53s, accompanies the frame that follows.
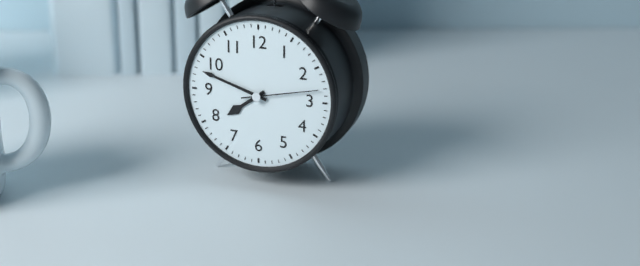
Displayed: 7h48m13s
